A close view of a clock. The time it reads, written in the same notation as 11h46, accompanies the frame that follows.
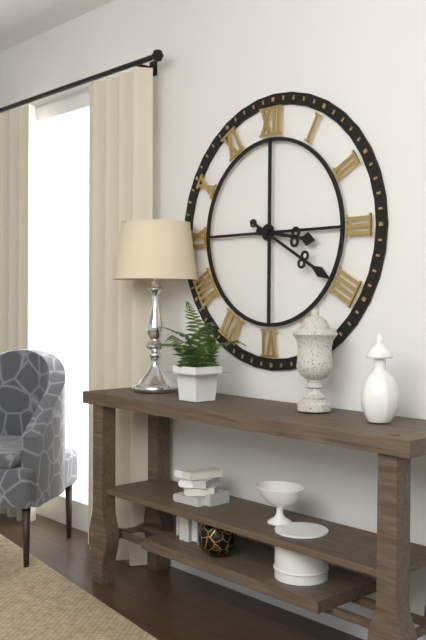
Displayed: 3h20
